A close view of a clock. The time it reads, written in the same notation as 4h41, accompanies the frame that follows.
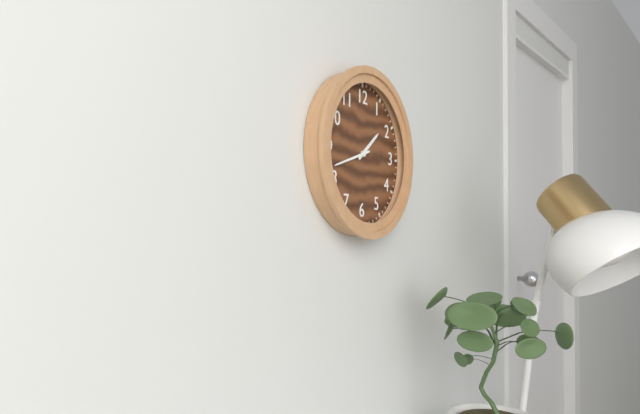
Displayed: 1h42
